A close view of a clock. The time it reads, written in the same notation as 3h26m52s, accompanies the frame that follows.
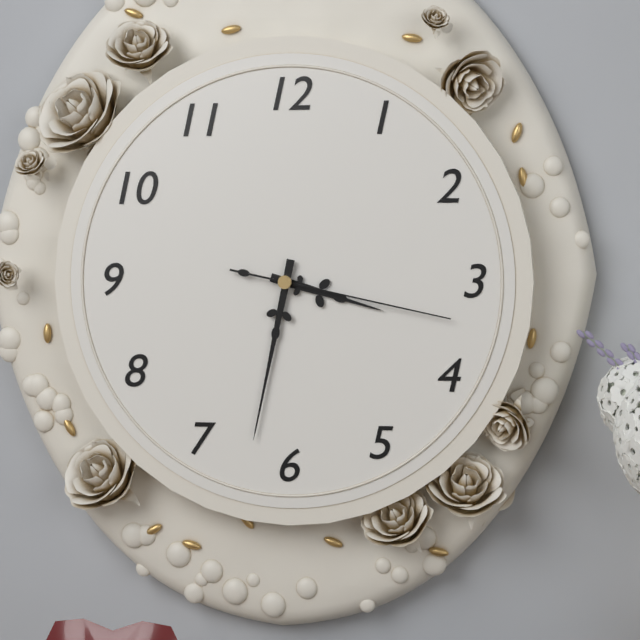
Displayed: 3h32m17s
